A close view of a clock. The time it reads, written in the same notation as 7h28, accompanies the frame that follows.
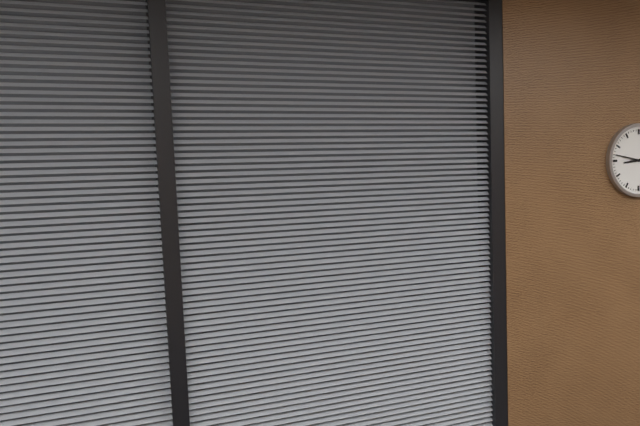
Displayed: 8h47
